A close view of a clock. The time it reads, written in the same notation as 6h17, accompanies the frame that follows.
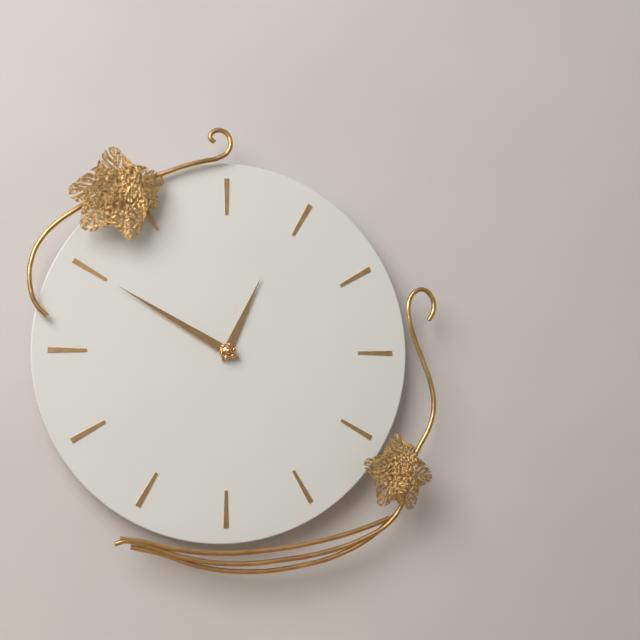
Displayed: 12h50
